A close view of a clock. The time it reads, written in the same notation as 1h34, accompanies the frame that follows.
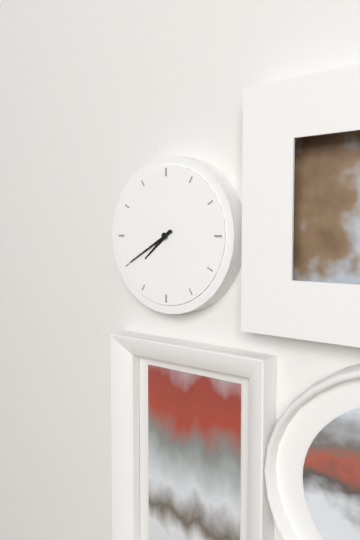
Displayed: 7h40
